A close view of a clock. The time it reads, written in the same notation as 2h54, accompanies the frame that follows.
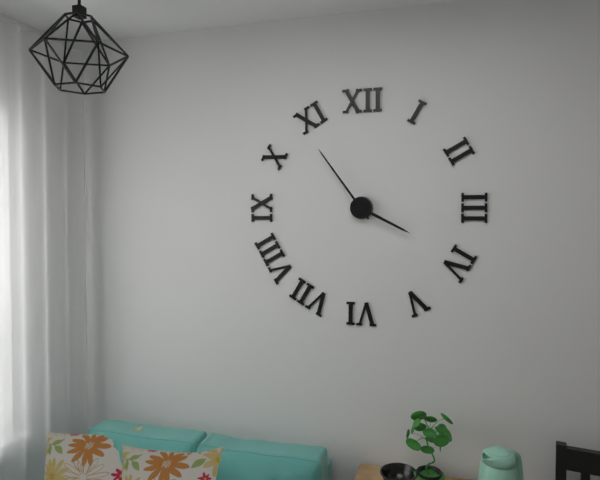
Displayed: 3h54
